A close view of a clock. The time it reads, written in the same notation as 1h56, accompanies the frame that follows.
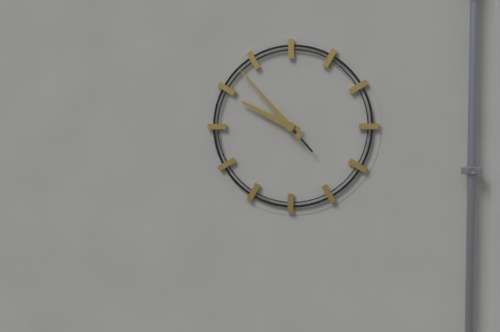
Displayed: 9h53
